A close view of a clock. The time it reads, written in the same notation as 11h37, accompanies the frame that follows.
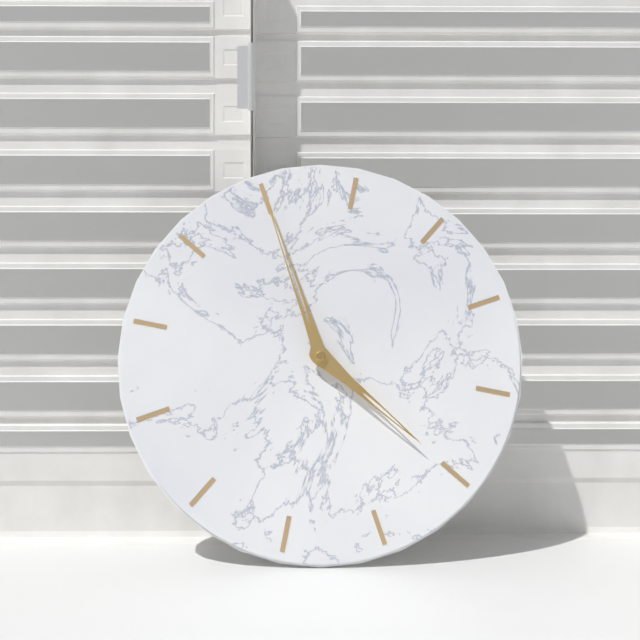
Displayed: 5h00
